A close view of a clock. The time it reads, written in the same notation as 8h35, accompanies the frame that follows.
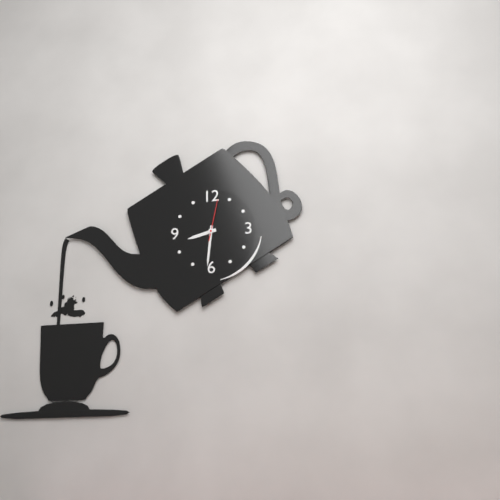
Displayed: 8h31
